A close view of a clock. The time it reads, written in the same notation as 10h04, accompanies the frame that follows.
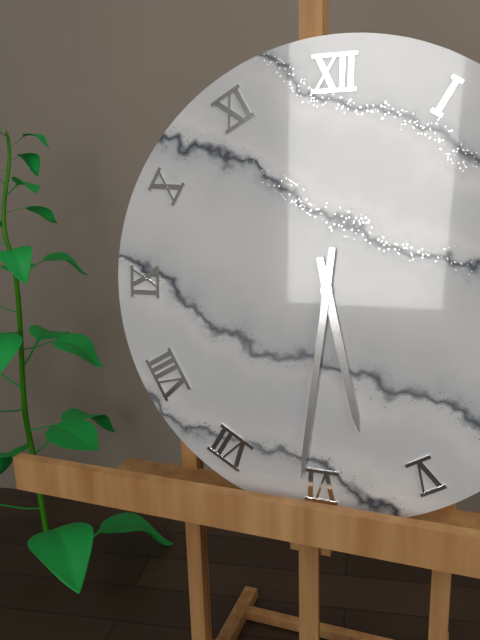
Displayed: 5h31
